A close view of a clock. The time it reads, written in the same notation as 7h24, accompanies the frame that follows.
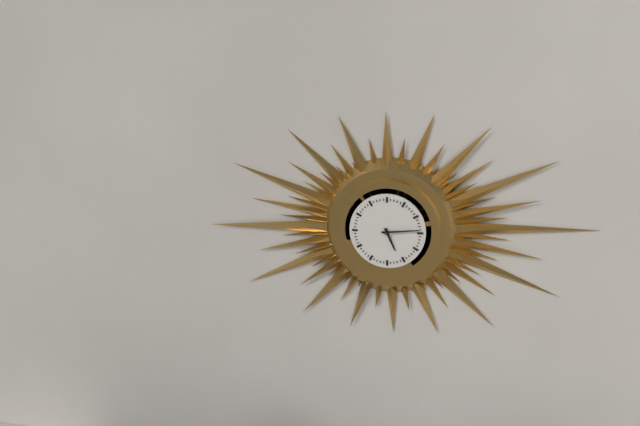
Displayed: 5h14
